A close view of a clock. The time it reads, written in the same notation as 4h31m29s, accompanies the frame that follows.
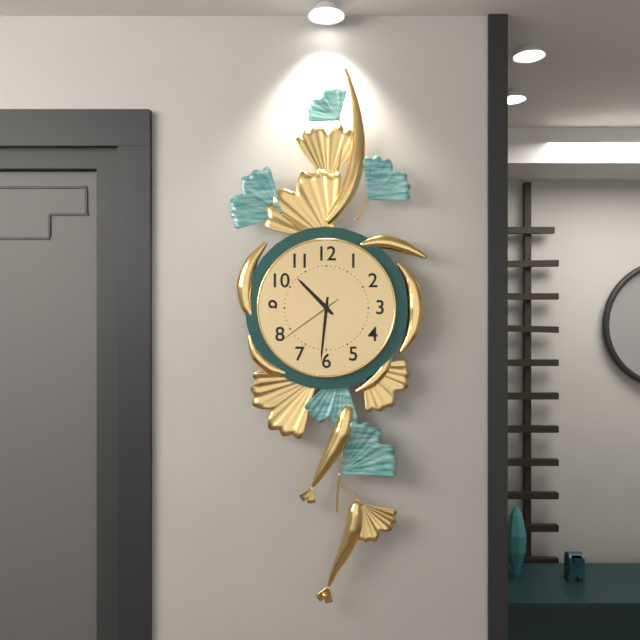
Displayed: 10h31m39s
